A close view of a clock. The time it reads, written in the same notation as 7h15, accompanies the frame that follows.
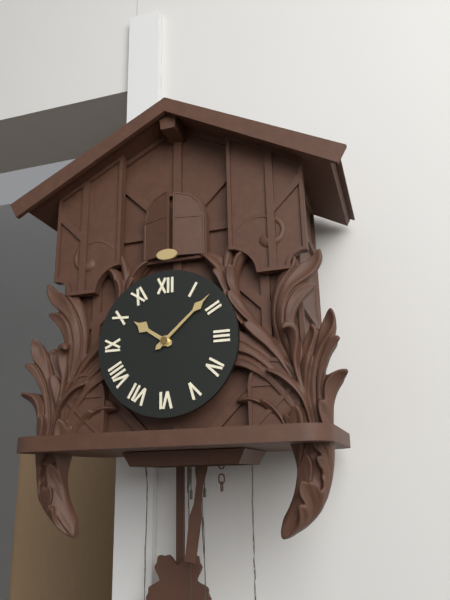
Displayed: 10h08
